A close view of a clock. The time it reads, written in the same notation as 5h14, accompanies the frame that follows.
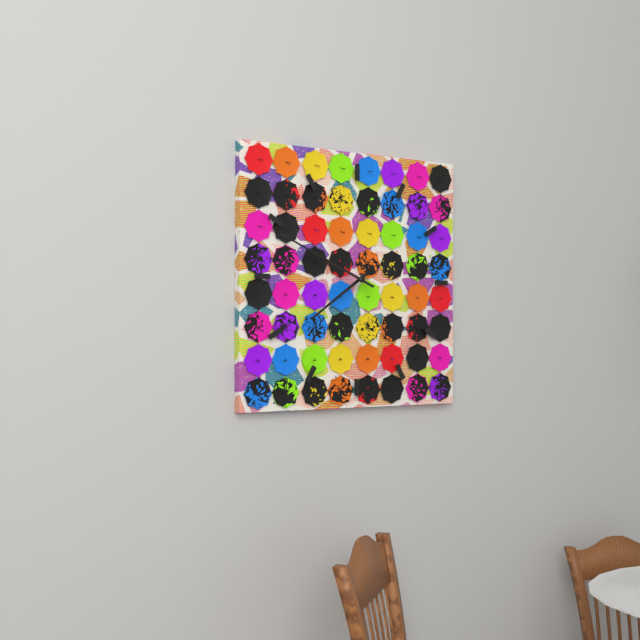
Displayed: 7h49
